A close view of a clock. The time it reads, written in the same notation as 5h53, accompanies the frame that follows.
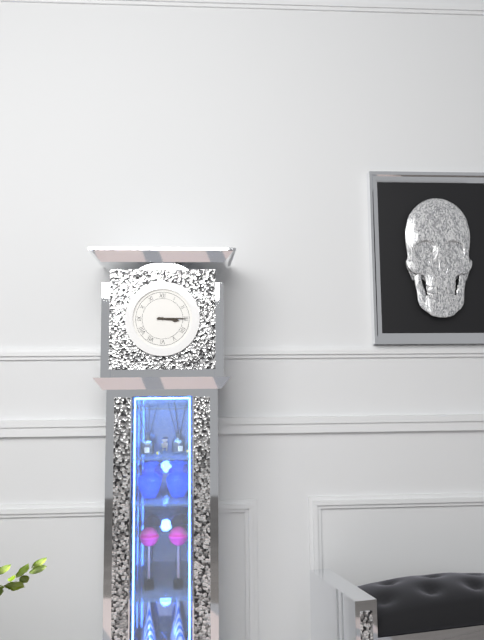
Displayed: 3h15
